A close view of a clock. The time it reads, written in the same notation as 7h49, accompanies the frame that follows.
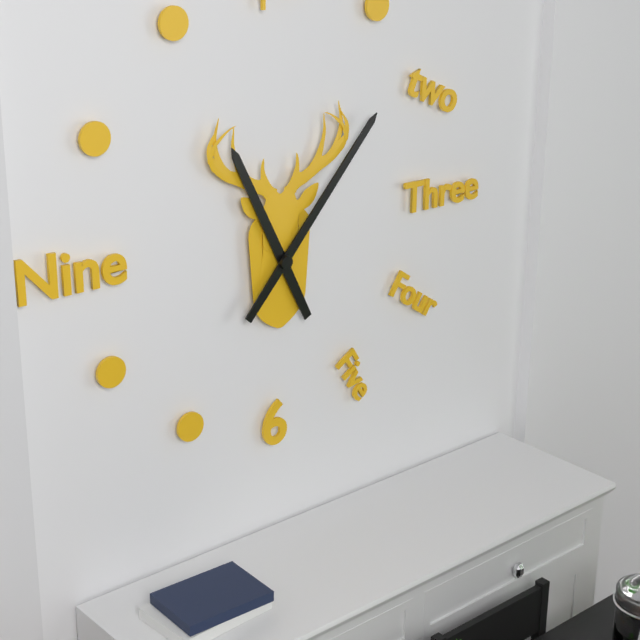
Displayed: 11h07
